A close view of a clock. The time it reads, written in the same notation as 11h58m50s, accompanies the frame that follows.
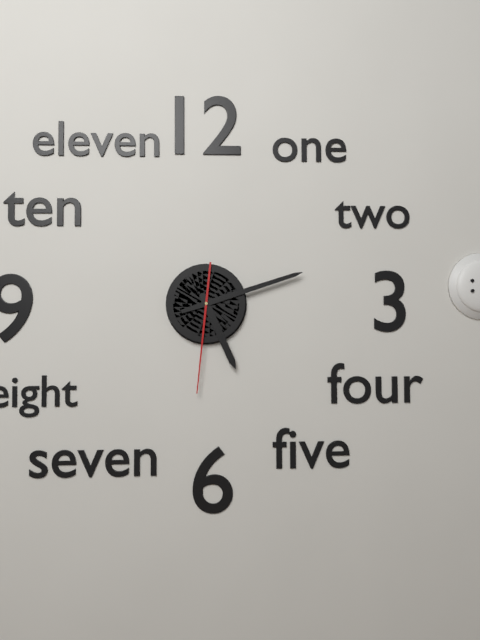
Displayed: 5h12m31s
